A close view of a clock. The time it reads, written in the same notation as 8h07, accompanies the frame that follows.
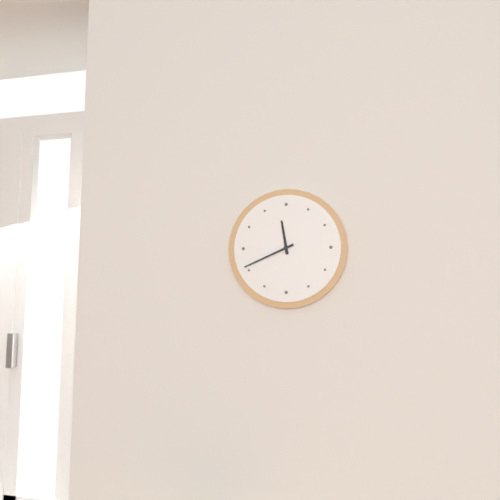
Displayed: 11h41
